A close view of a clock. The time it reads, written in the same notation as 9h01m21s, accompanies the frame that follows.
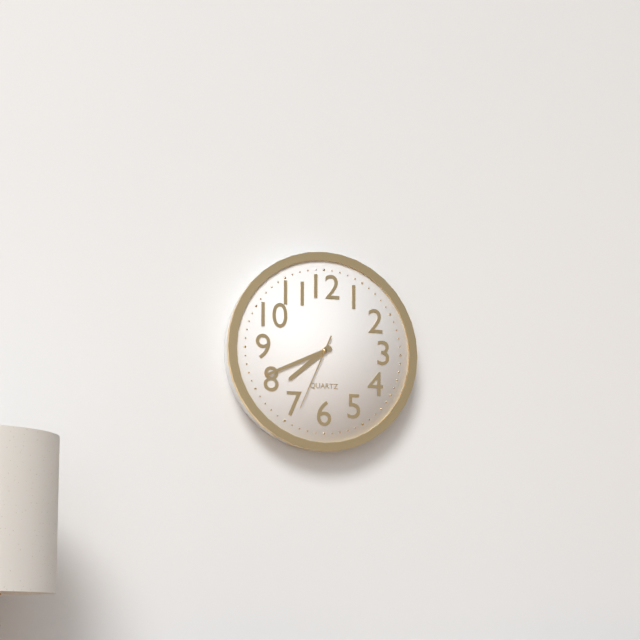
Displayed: 7h41m34s
